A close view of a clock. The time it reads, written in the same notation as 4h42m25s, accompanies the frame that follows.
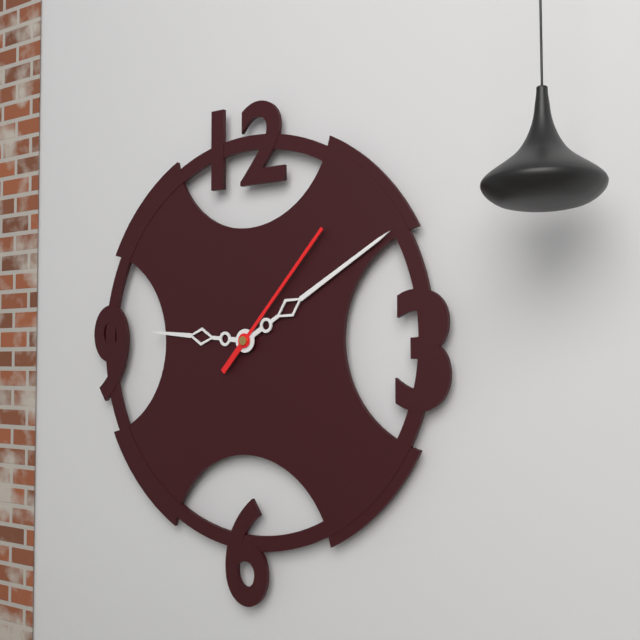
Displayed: 9h10m07s
